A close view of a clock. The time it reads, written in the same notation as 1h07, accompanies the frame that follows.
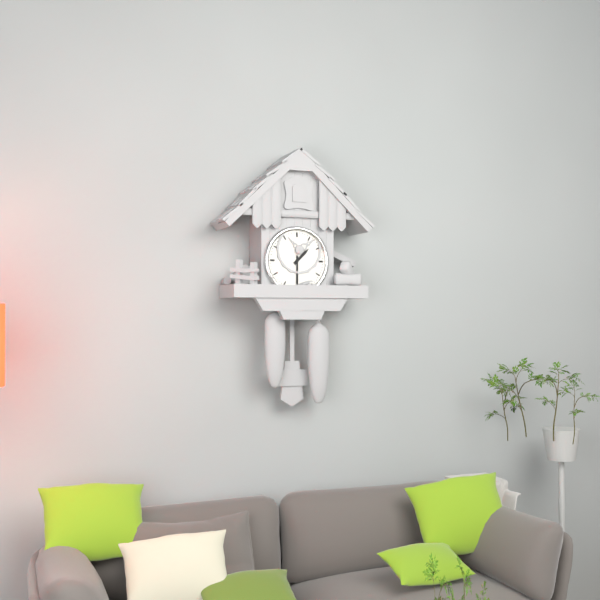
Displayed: 1h30
